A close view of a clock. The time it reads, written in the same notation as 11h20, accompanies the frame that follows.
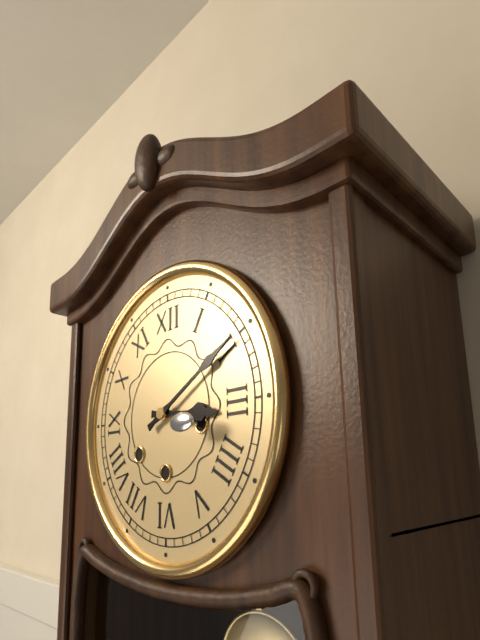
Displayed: 3h10
